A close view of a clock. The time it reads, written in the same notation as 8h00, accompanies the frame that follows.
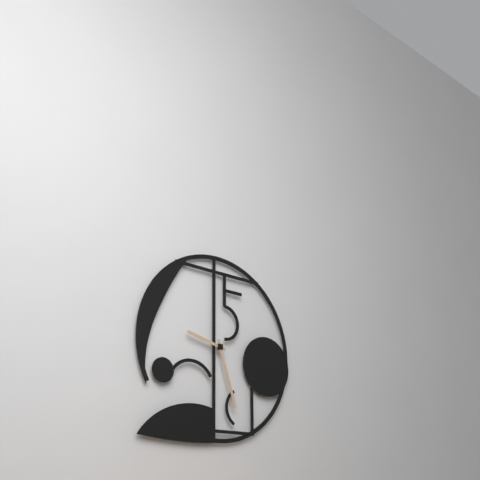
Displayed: 9h27
